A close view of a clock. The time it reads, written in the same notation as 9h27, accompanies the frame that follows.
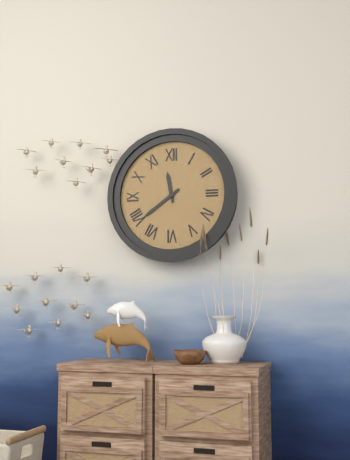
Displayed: 11h39
